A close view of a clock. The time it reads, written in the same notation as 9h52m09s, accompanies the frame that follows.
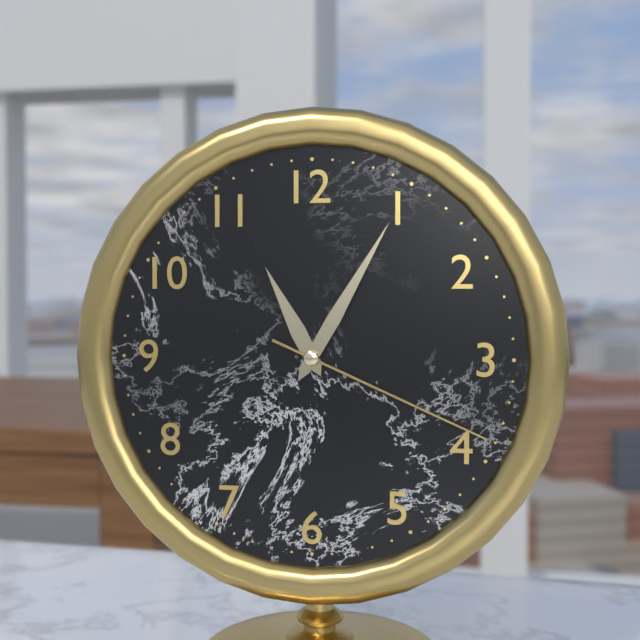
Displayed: 11h05m19s
